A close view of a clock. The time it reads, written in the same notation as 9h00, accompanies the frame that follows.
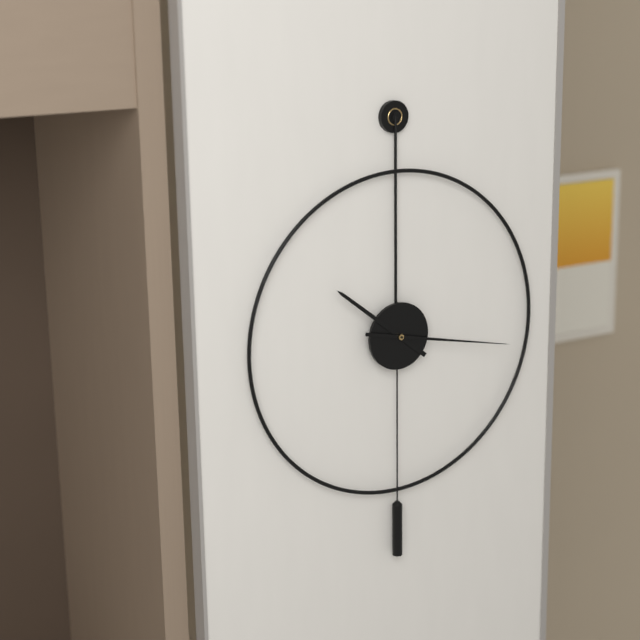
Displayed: 10h17
